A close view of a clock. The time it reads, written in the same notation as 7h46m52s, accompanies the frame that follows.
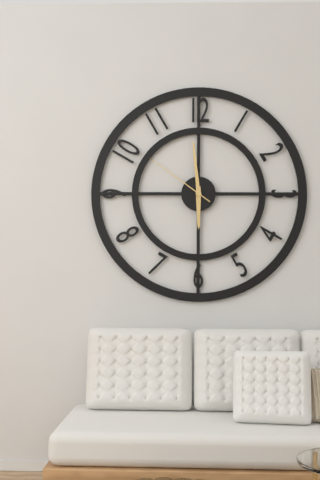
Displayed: 5h59m51s
